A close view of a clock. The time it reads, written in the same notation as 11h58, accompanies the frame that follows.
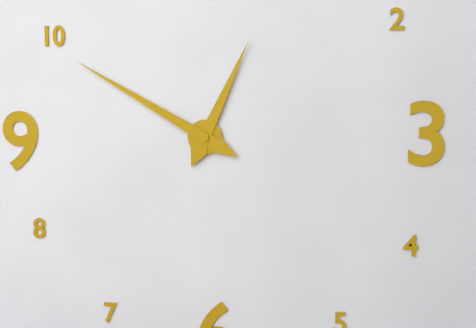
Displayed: 12h50
